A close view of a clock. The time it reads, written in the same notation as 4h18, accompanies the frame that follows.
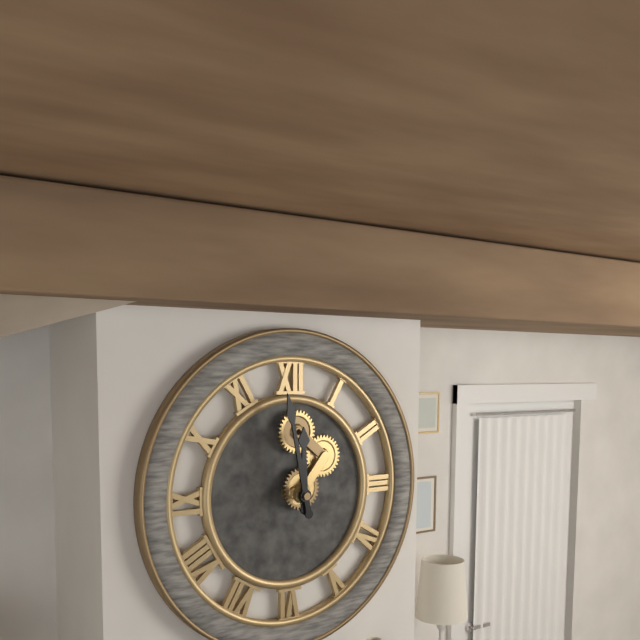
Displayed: 11h58
